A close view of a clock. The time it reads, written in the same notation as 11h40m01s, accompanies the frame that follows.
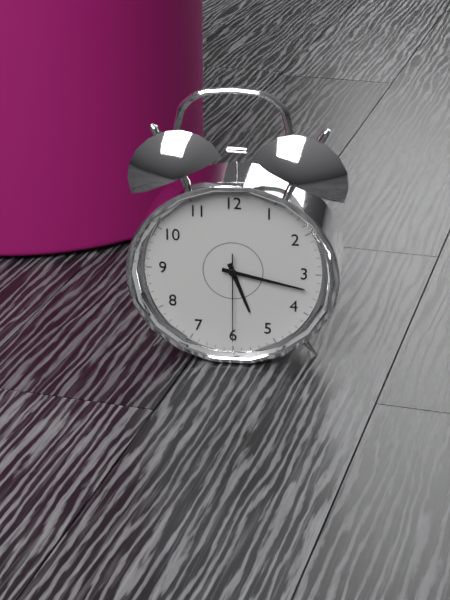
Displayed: 5h17m30s
